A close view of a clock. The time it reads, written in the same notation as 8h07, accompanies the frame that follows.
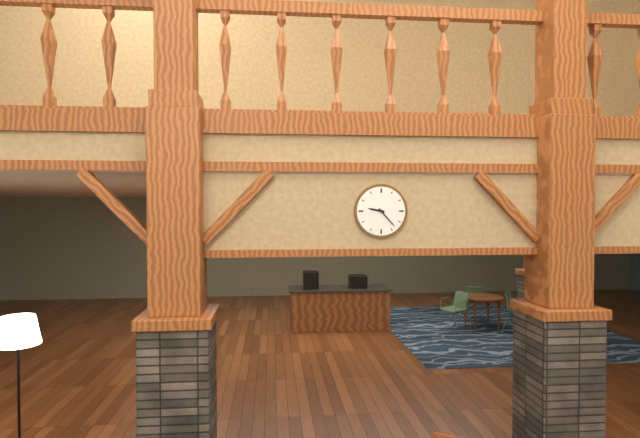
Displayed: 9h23
